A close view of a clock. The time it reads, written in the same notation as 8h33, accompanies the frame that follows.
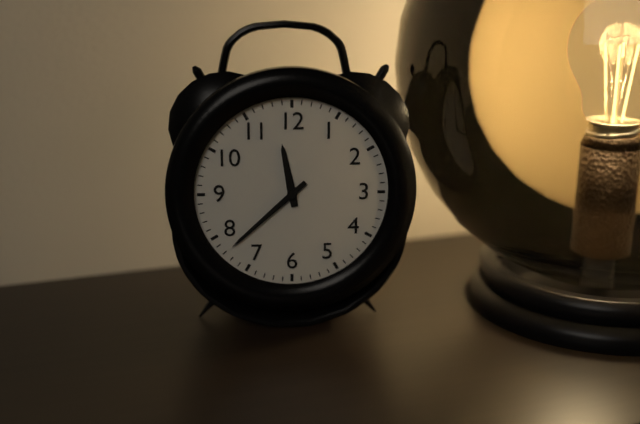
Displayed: 11h38
